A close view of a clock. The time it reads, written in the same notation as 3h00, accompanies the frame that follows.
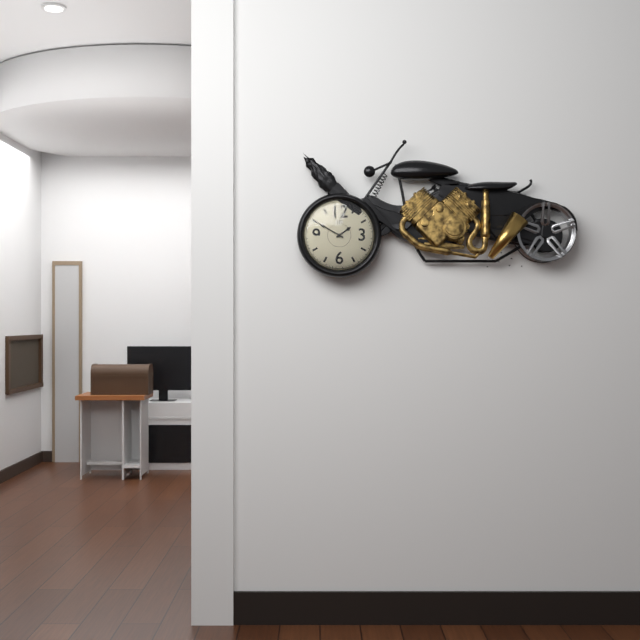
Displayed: 1h50
